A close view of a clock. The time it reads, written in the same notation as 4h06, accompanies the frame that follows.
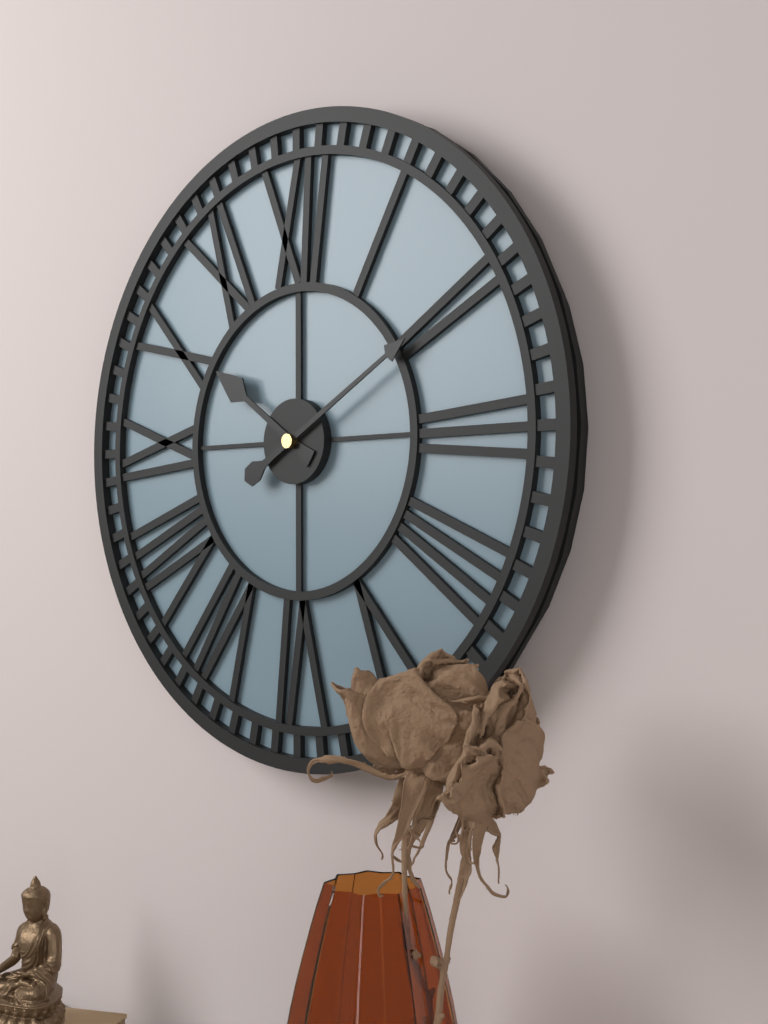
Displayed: 10h10
